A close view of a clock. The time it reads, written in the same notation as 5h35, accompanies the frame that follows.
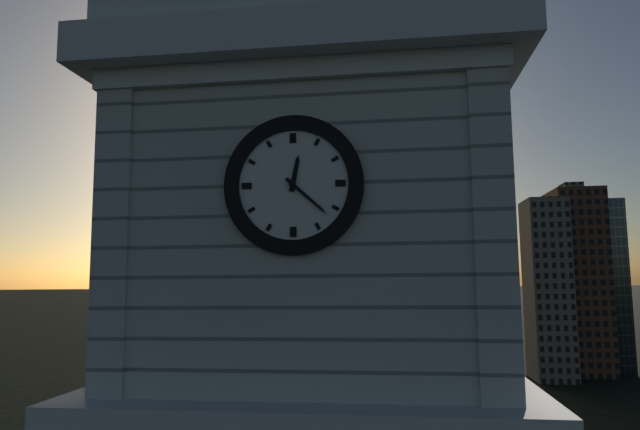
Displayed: 12h22
